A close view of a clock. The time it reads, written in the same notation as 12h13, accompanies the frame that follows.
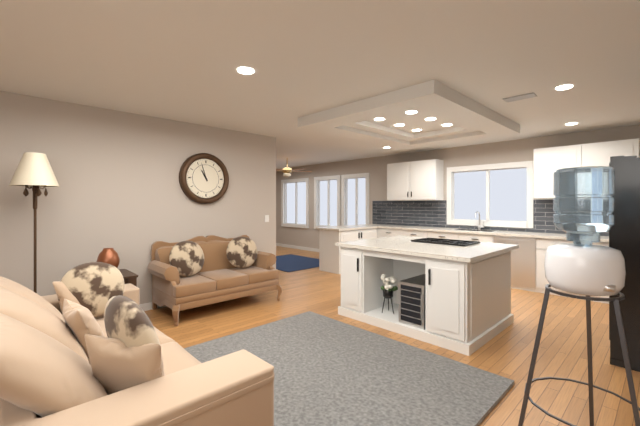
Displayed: 10h57
